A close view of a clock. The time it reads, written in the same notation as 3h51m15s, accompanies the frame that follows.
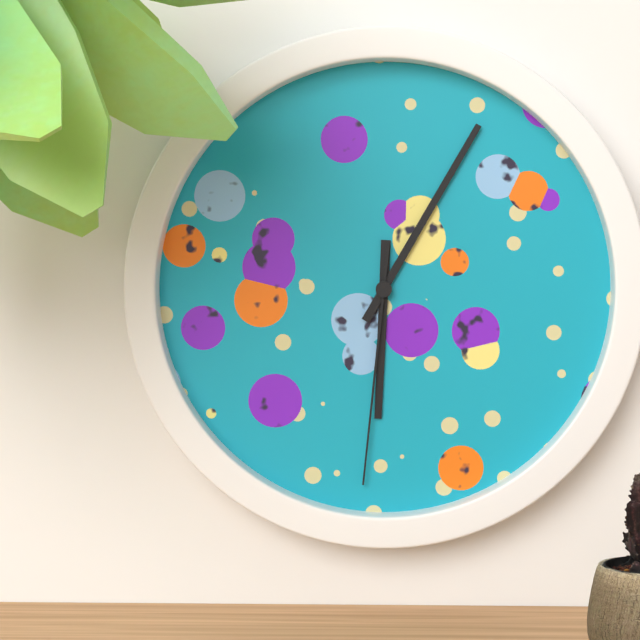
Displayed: 6h05m31s
